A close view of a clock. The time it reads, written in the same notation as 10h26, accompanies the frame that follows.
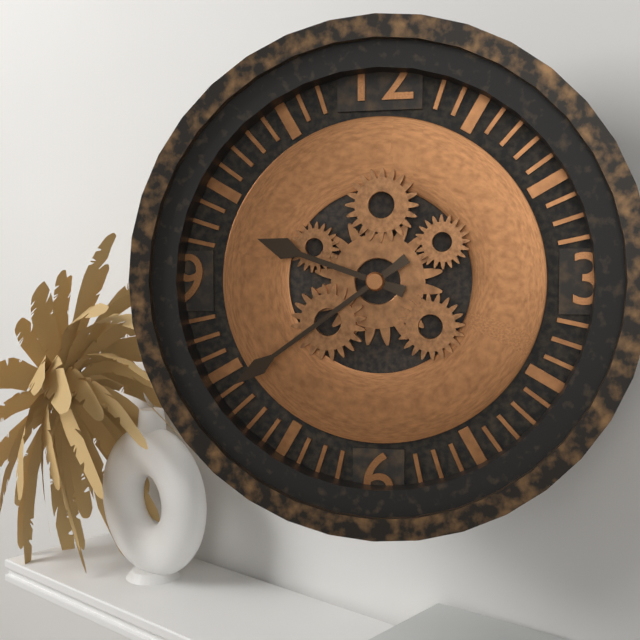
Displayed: 9h39
